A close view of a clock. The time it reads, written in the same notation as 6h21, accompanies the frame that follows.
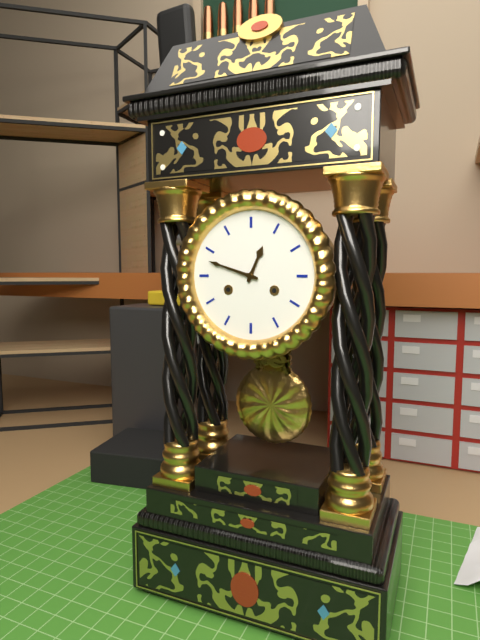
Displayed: 12h48
